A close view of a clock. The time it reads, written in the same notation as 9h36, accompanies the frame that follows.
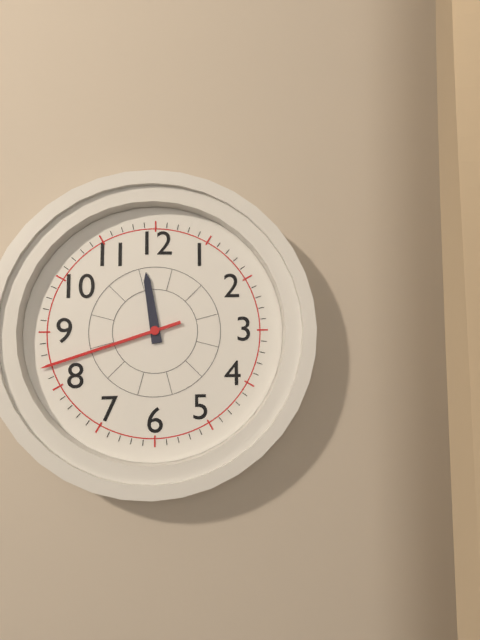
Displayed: 11h42
